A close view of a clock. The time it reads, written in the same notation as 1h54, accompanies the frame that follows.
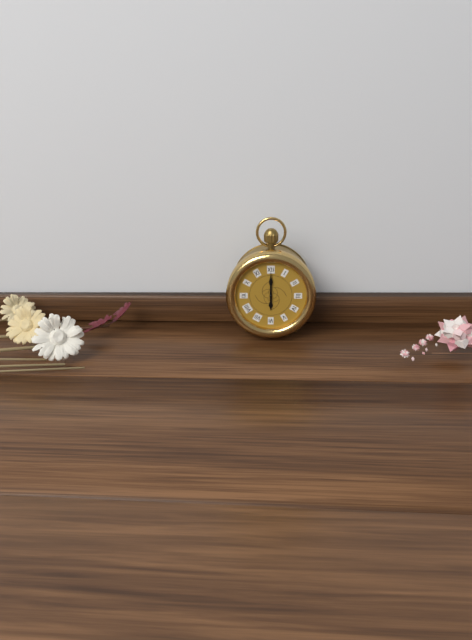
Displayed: 6h00
